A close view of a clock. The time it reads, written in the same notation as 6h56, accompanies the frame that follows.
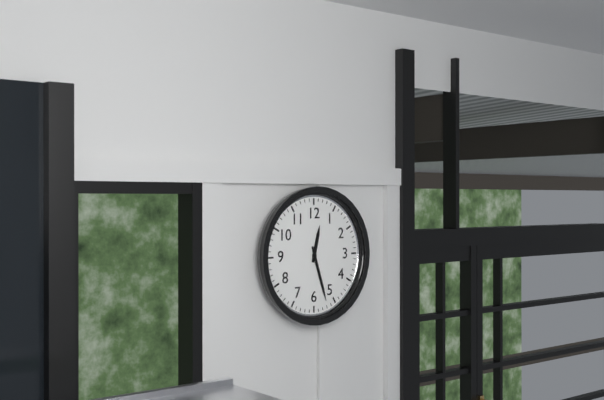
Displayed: 12h27
